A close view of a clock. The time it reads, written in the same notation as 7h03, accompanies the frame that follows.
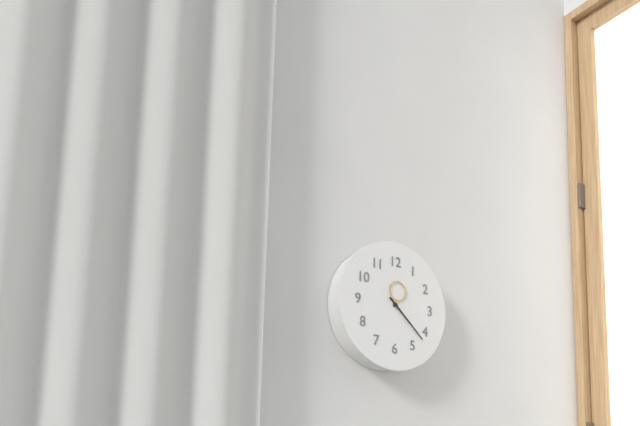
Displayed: 12h22
